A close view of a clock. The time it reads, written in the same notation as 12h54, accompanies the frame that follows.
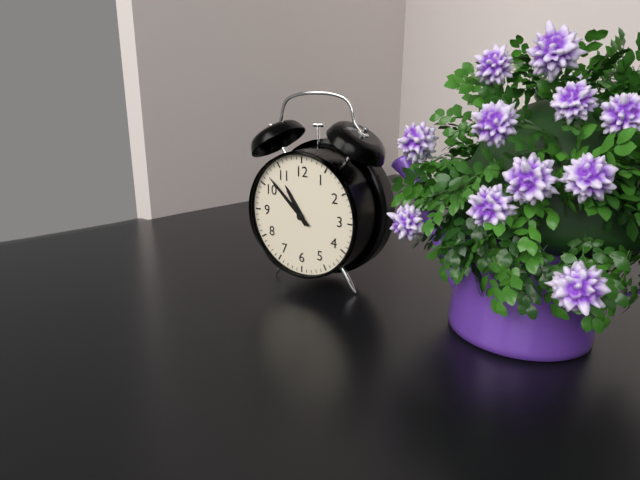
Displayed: 10h52
